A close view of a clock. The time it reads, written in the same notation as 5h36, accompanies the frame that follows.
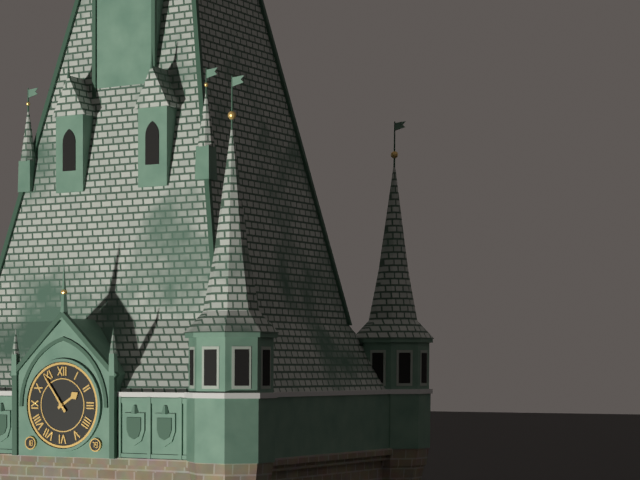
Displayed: 1h54
